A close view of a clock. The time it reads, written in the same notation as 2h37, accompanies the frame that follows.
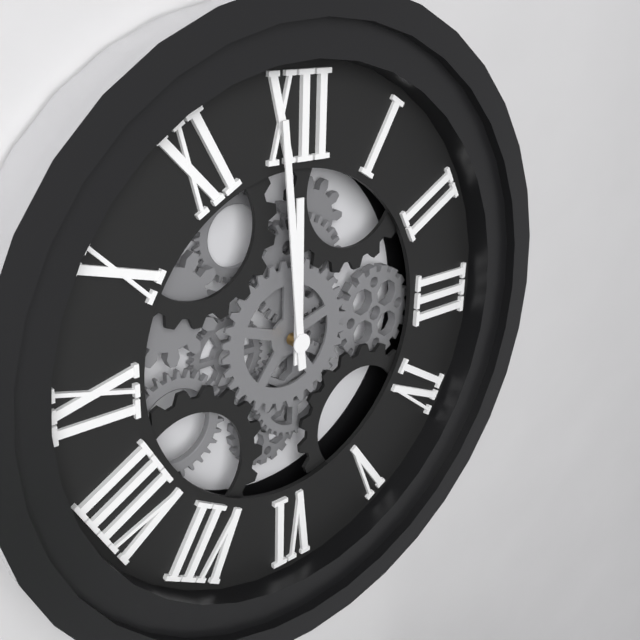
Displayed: 11h59
